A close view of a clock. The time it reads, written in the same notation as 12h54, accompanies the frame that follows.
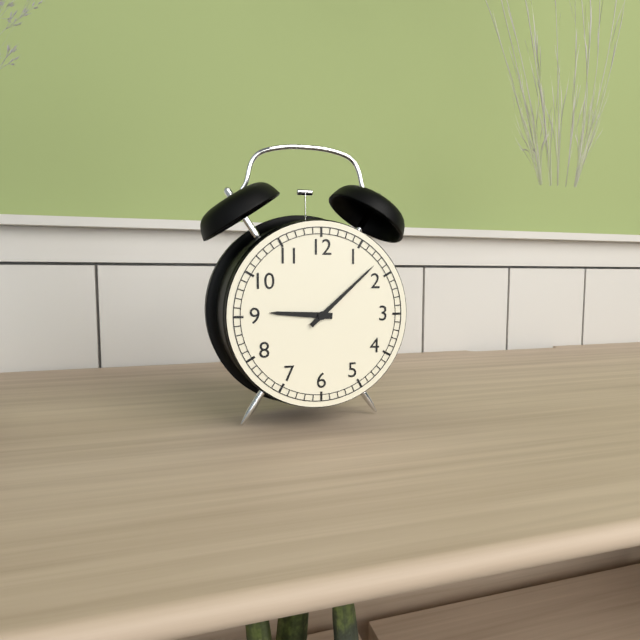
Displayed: 9h08
